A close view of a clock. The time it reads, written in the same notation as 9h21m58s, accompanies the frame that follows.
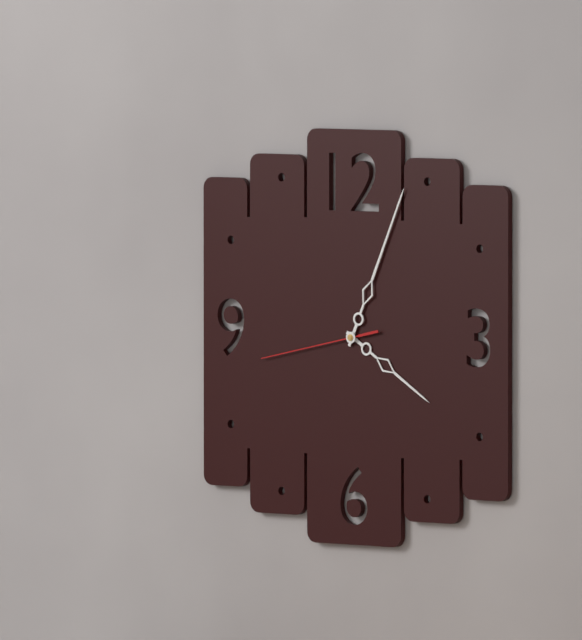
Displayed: 4h04m43s
